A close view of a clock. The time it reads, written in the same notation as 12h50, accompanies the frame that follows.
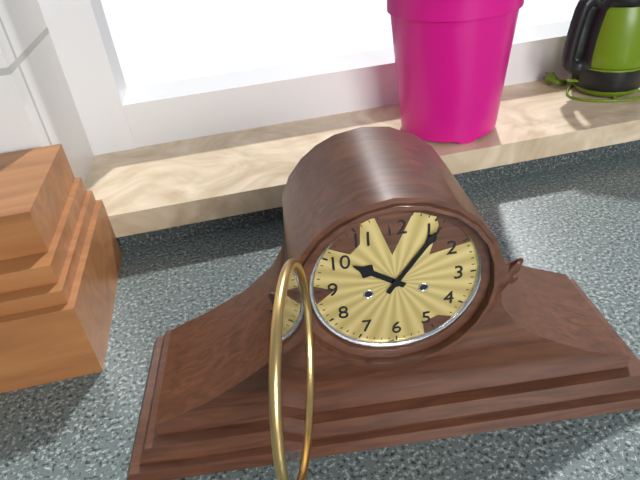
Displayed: 10h06
